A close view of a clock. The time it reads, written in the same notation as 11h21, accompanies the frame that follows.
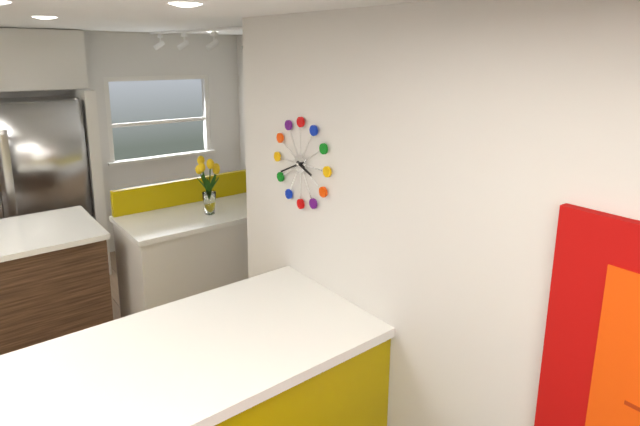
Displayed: 3h41
